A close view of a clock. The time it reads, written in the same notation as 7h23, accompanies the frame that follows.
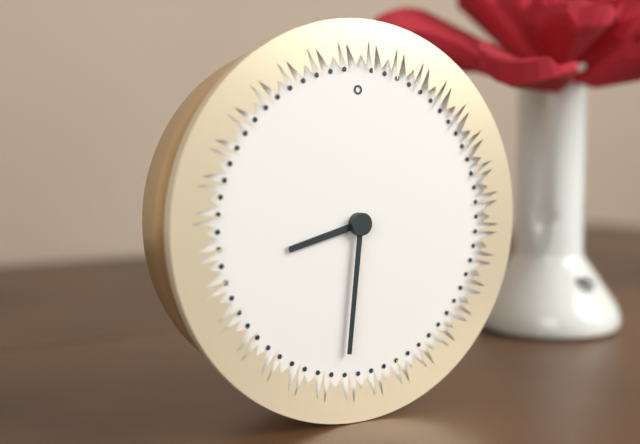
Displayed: 8h31
